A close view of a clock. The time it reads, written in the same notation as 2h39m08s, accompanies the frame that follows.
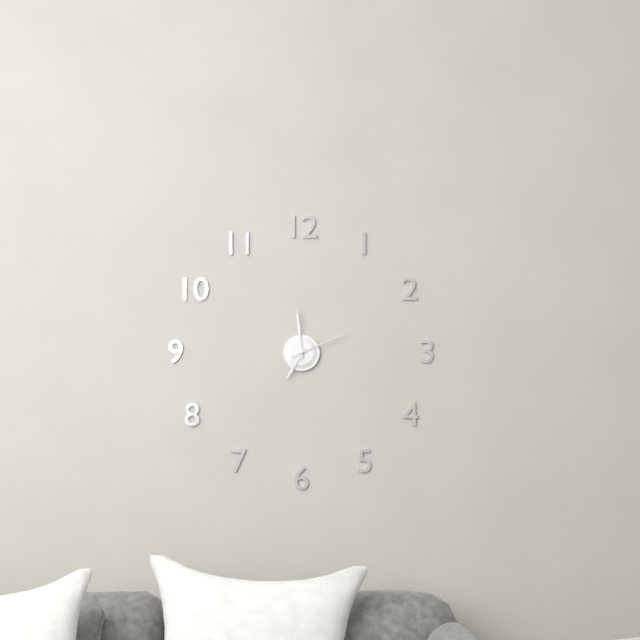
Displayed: 6h59m11s
